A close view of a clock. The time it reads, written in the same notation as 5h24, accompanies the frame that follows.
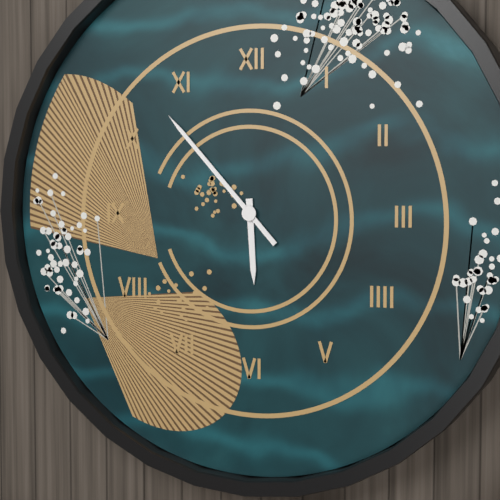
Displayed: 5h53
